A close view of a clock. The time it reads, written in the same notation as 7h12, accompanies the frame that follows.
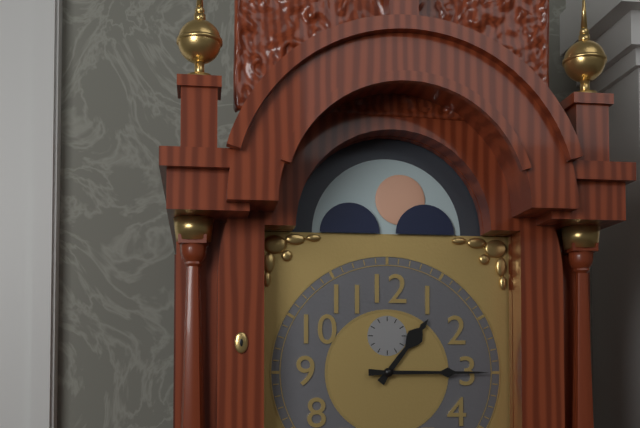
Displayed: 1h15
